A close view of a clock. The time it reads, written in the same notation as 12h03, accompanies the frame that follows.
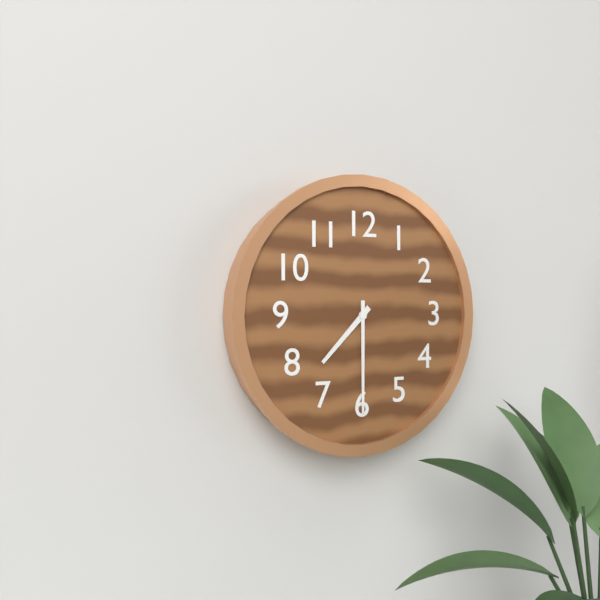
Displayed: 7h30
